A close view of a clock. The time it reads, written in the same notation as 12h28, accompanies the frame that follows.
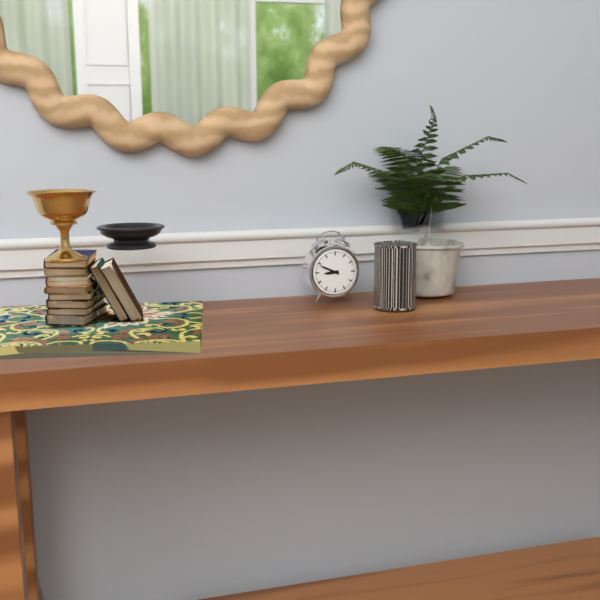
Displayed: 8h49
